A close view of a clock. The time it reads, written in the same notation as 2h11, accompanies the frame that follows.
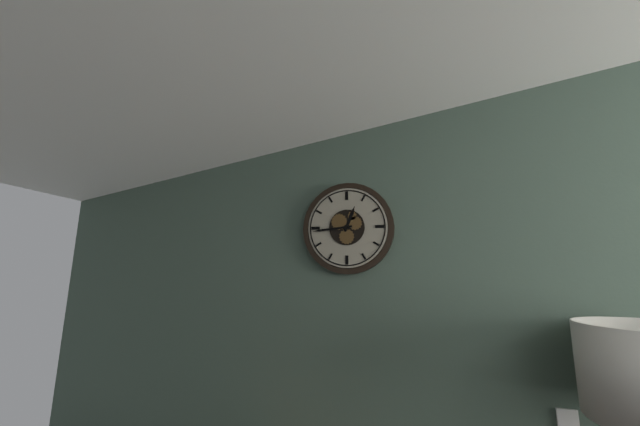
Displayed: 12h44
